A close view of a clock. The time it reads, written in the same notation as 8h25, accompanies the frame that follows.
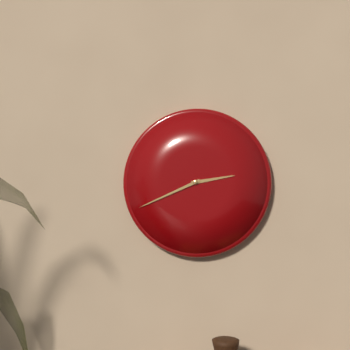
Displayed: 2h41
